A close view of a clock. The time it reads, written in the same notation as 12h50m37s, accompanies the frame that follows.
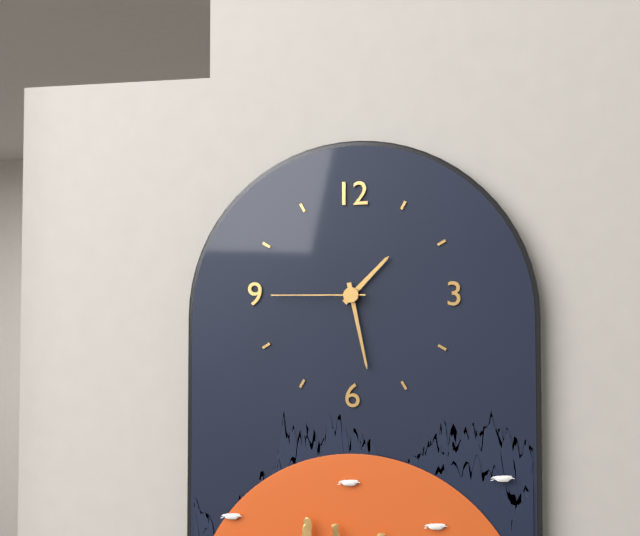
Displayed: 1h28m45s
